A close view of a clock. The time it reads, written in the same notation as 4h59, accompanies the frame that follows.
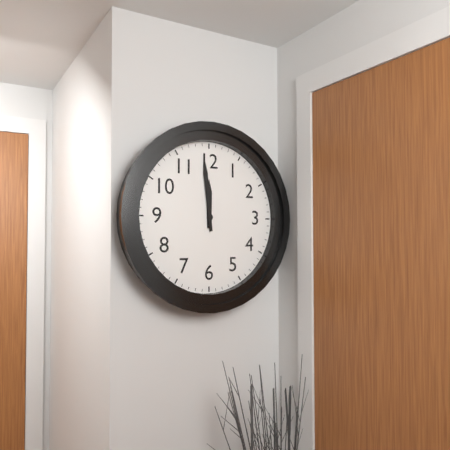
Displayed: 11h59
